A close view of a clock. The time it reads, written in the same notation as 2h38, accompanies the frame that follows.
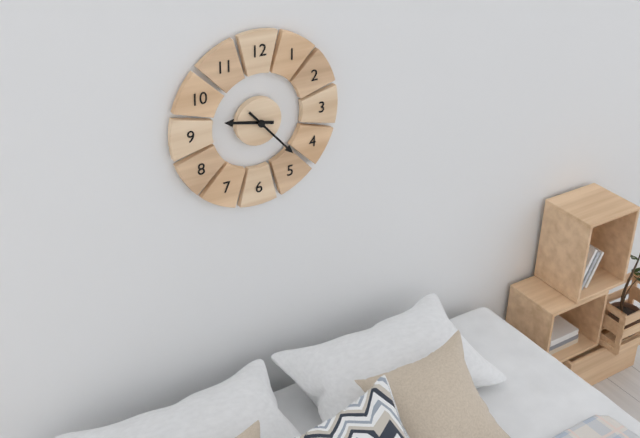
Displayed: 9h23
